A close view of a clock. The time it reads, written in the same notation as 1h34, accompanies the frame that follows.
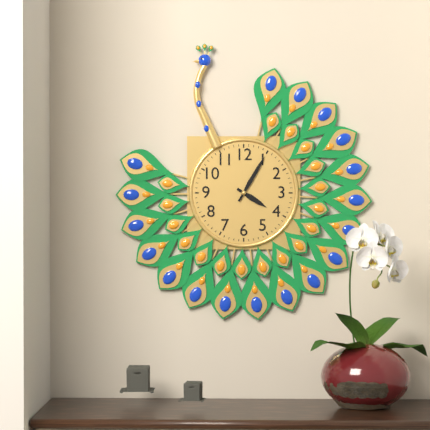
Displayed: 4h05
